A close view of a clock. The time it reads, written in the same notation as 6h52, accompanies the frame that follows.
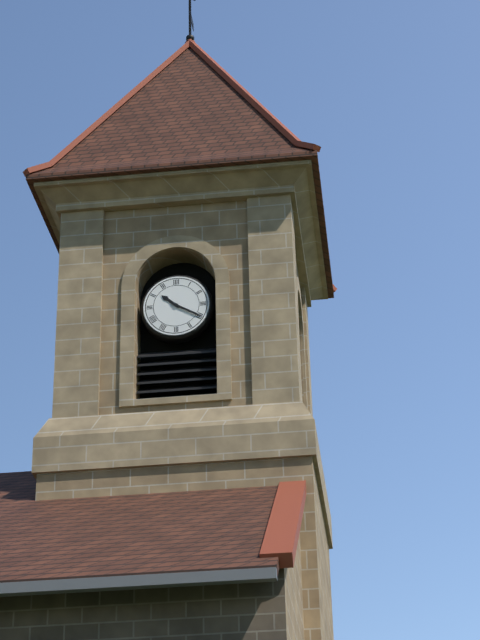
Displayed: 10h20
